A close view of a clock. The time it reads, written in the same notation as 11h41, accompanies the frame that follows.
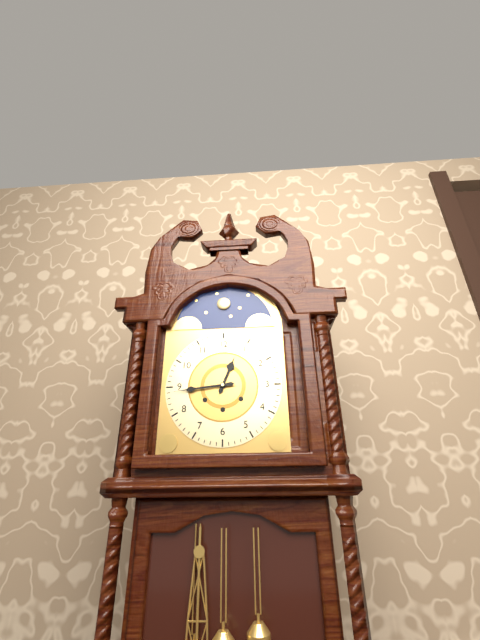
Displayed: 12h44
